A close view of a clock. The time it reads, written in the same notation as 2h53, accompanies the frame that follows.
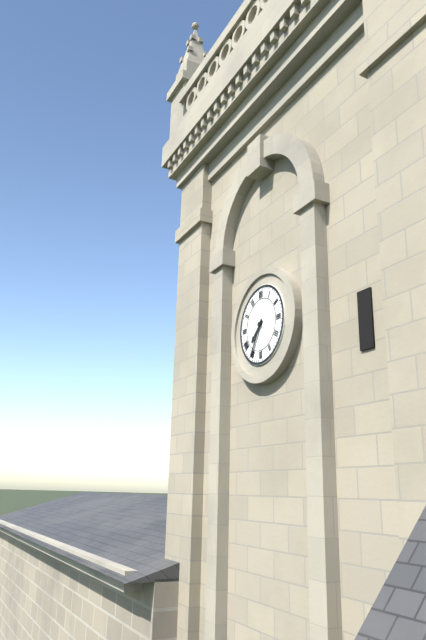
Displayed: 7h35
